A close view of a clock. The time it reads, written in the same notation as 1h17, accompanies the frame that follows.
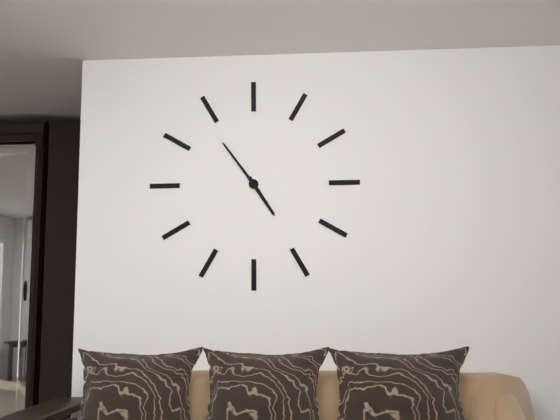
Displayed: 4h54
